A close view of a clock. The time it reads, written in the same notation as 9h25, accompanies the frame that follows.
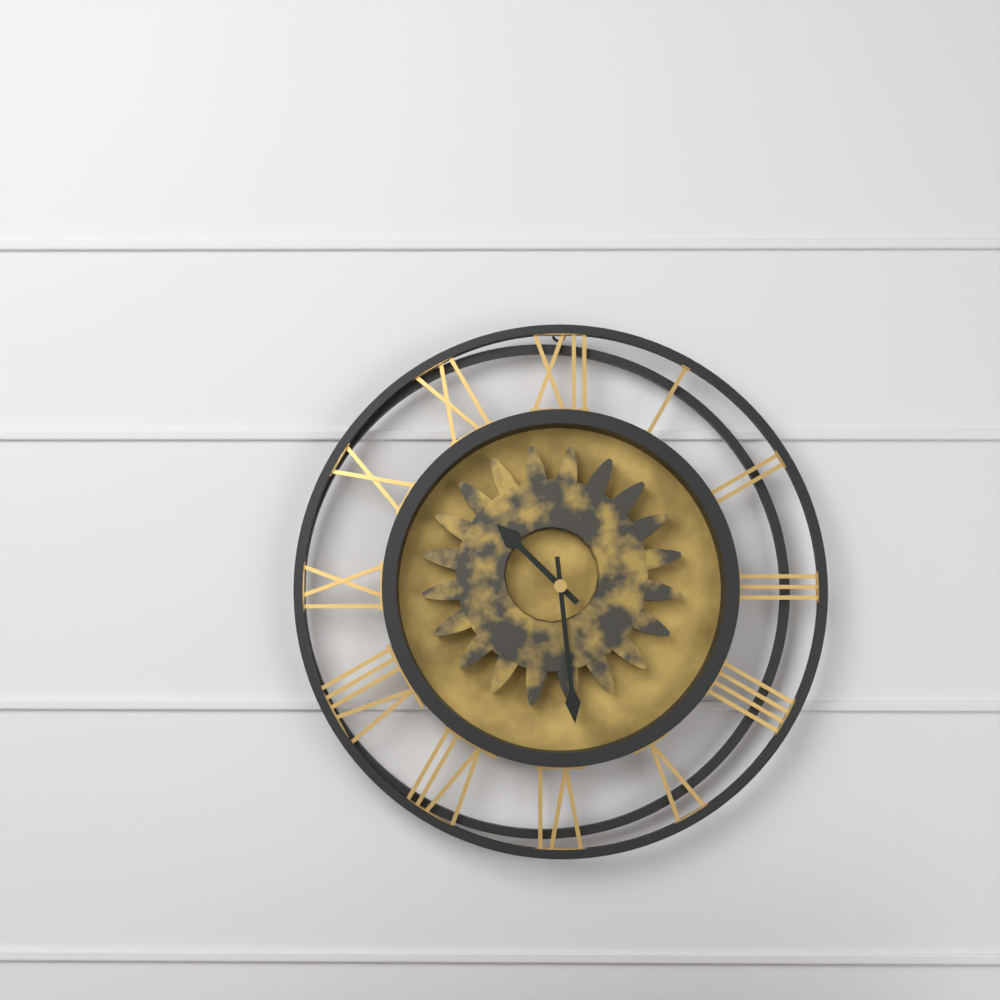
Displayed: 10h29
